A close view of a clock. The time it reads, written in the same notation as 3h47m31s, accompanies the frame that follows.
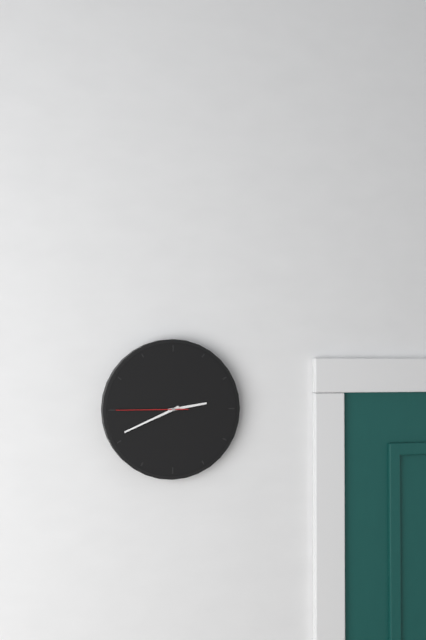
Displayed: 2h41m45s
